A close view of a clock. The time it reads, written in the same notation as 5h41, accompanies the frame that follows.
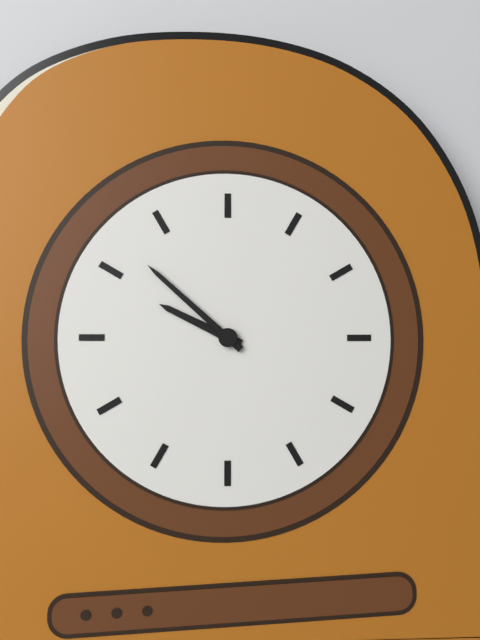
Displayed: 9h52
